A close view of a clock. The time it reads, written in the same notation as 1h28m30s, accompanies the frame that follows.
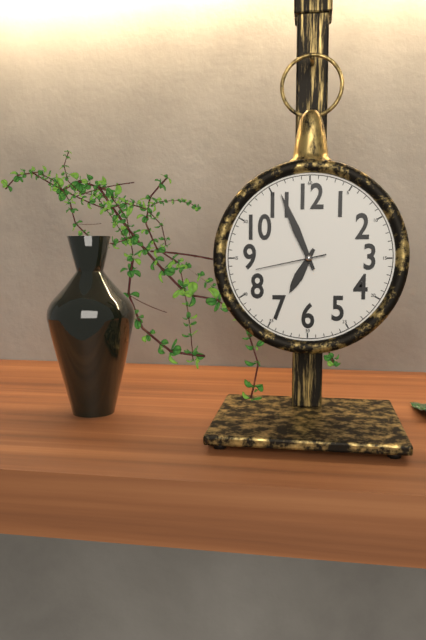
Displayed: 6h56m43s
